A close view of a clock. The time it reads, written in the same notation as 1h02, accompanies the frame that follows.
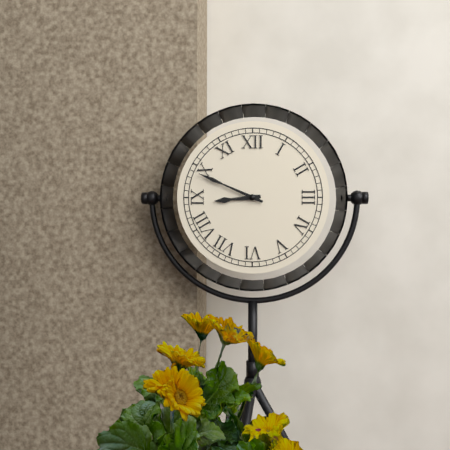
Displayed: 8h49
